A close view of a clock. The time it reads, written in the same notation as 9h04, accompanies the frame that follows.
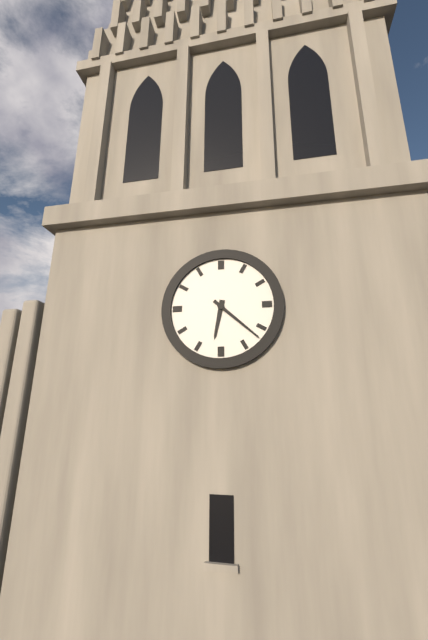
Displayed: 6h22
